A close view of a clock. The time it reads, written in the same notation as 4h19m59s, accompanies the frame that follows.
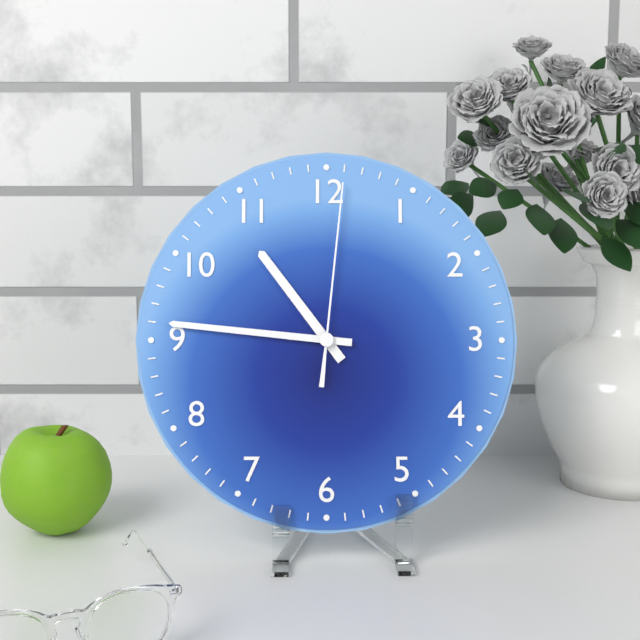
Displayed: 10h46m01s
